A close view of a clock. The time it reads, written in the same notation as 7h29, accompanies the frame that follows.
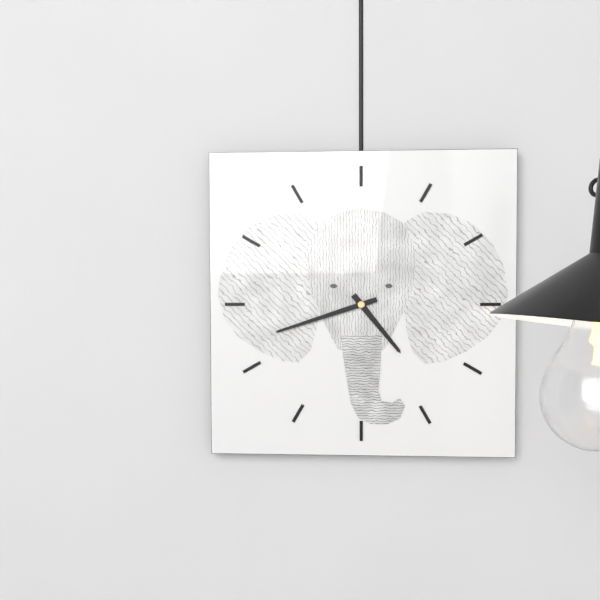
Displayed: 4h42
